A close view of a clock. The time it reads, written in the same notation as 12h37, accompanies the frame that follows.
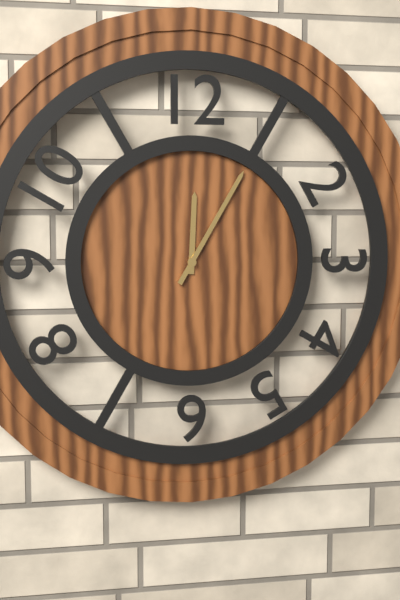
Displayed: 12h05
